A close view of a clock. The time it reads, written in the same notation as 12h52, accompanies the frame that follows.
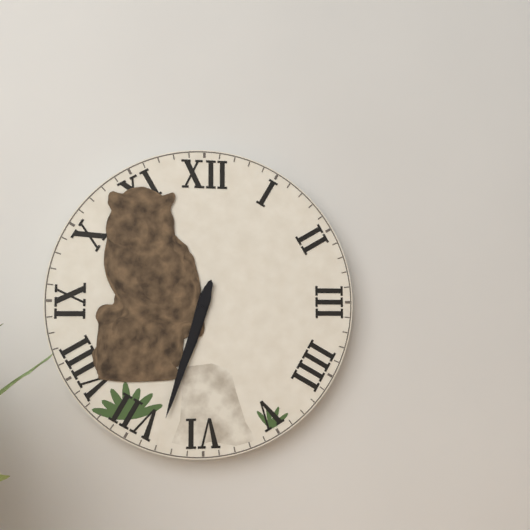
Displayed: 6h33
